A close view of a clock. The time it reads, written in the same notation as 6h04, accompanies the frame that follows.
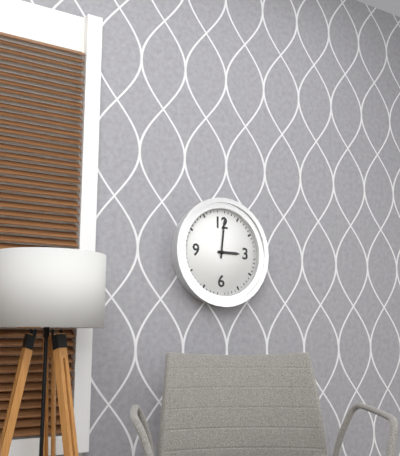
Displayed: 3h01
